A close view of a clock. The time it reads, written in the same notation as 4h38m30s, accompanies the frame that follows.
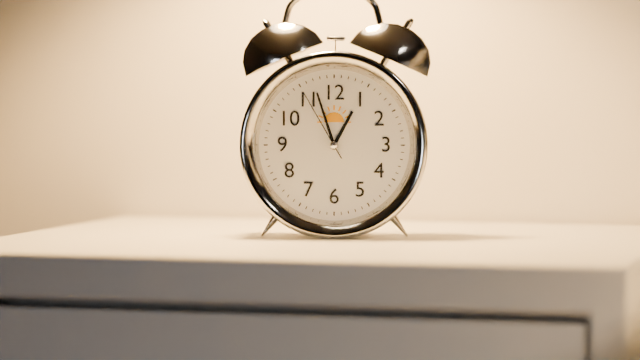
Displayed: 12h57m55s
